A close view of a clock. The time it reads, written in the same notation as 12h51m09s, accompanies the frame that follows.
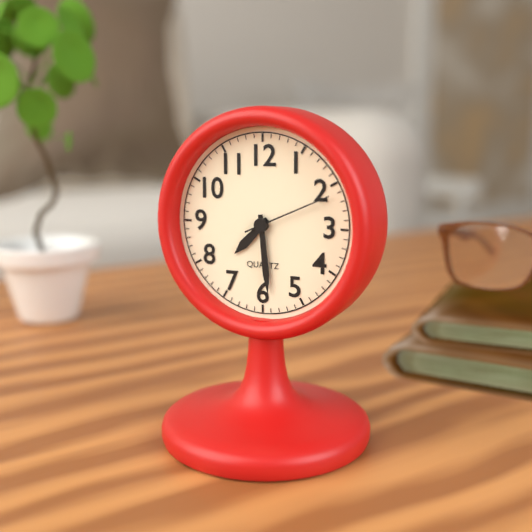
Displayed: 7h29m11s
